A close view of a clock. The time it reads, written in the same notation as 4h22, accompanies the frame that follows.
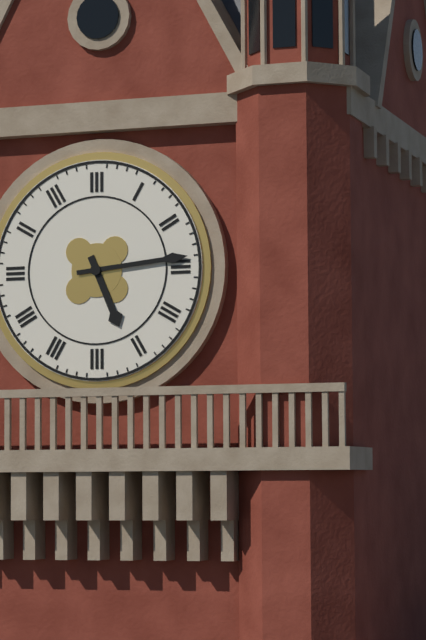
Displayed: 5h14
